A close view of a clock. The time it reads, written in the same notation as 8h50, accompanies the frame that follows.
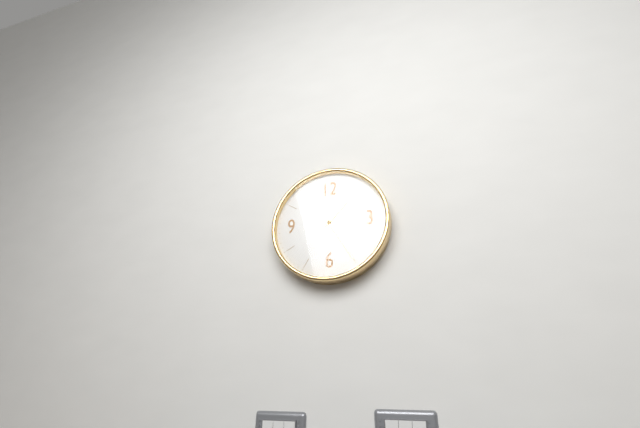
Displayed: 1h25
